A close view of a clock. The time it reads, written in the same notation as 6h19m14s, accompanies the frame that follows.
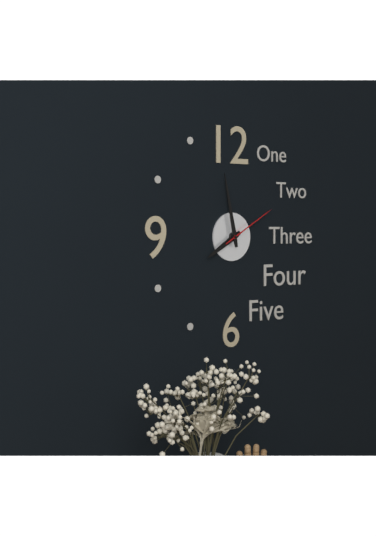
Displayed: 7h58m10s
